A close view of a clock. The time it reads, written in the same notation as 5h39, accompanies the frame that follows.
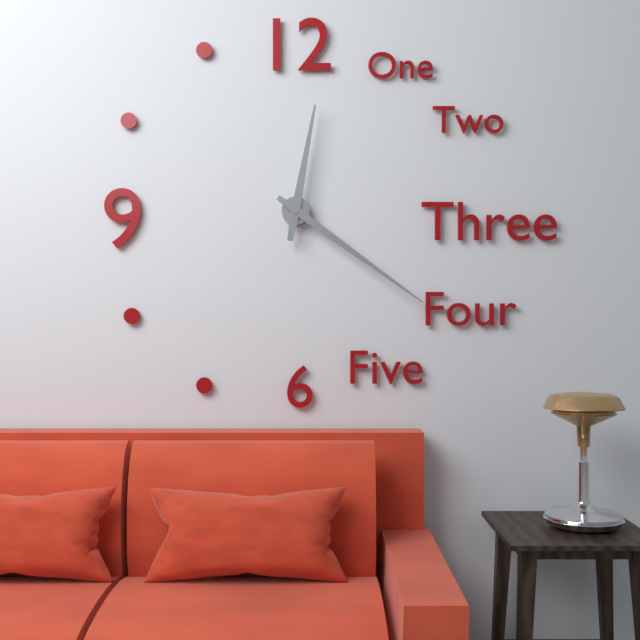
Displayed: 12h21
